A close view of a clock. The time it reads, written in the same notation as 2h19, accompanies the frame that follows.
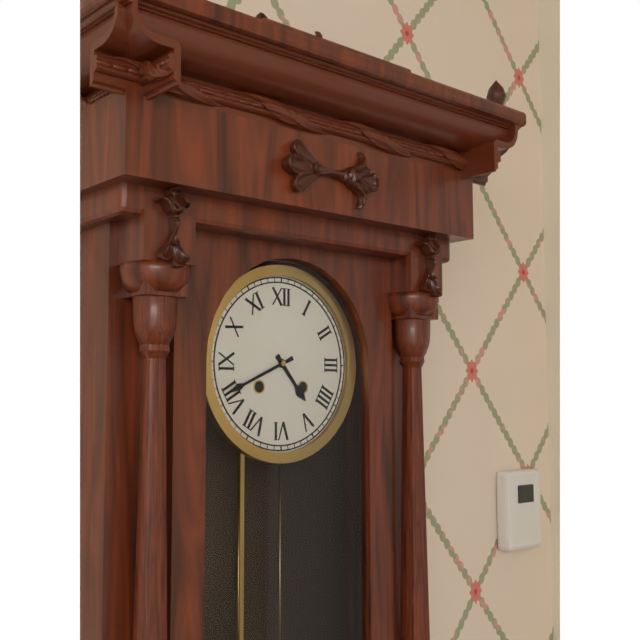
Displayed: 4h41
